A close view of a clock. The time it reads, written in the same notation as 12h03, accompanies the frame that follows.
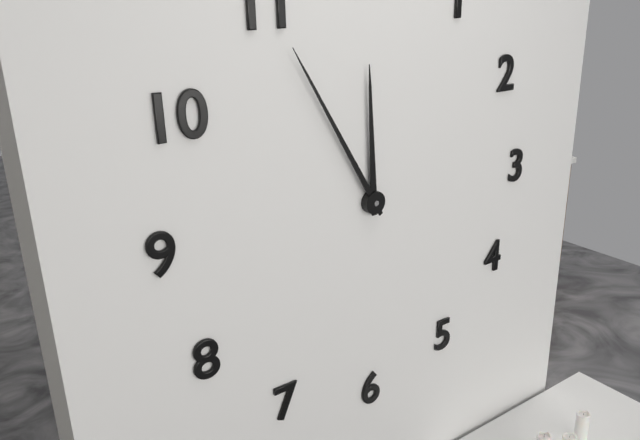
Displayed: 11h55
